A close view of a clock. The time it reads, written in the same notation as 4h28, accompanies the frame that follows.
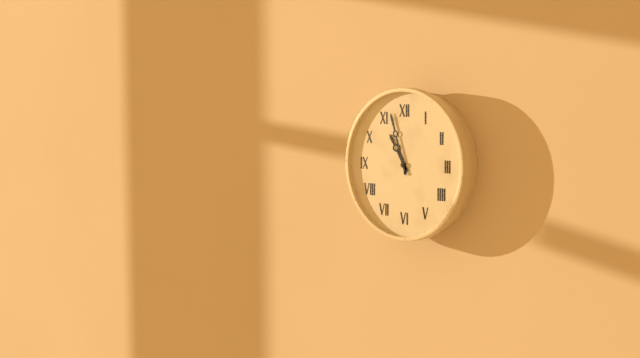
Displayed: 10h57
